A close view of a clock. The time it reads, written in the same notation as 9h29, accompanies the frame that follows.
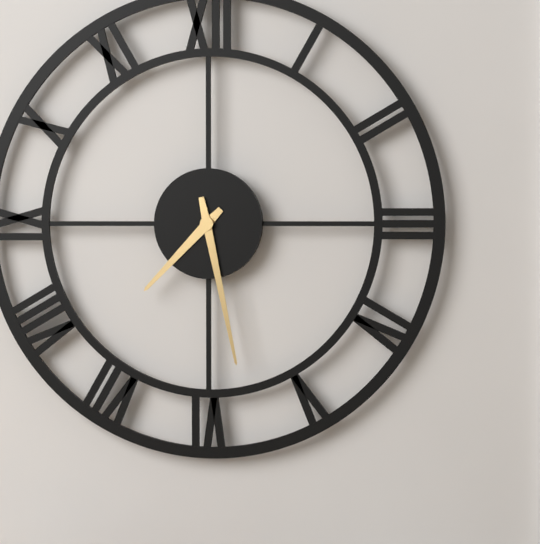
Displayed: 7h28
